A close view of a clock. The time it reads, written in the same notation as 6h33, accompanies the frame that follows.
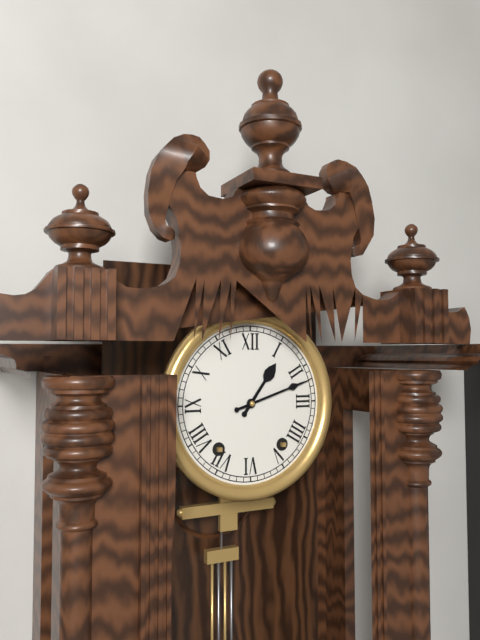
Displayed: 1h12
